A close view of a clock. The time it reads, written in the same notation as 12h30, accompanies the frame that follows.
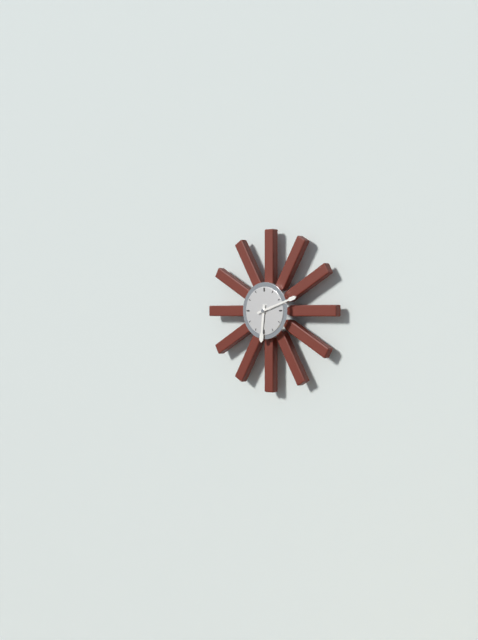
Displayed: 6h12
